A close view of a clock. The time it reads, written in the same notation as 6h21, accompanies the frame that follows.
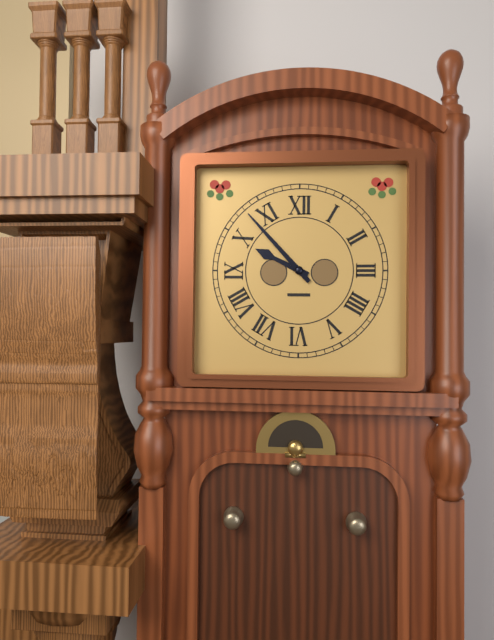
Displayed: 9h53
